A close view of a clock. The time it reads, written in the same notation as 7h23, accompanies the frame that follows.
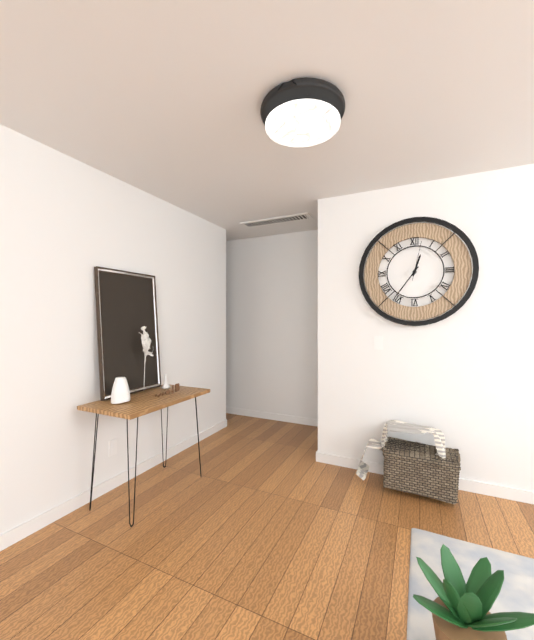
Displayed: 12h36
